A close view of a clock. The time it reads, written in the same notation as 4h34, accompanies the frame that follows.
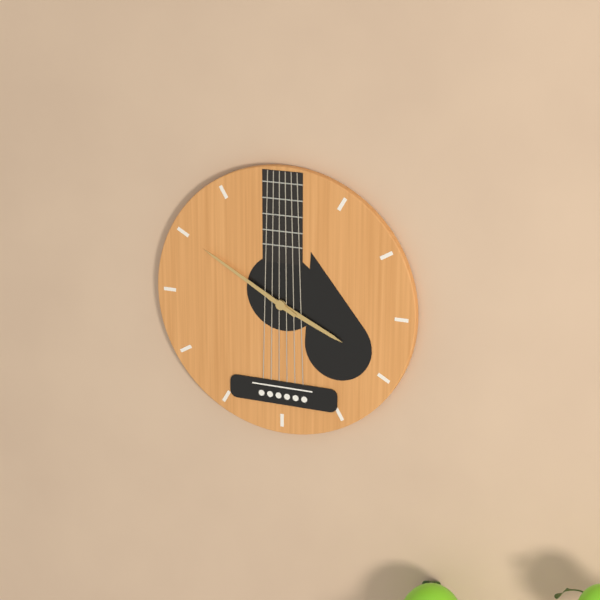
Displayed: 3h50
